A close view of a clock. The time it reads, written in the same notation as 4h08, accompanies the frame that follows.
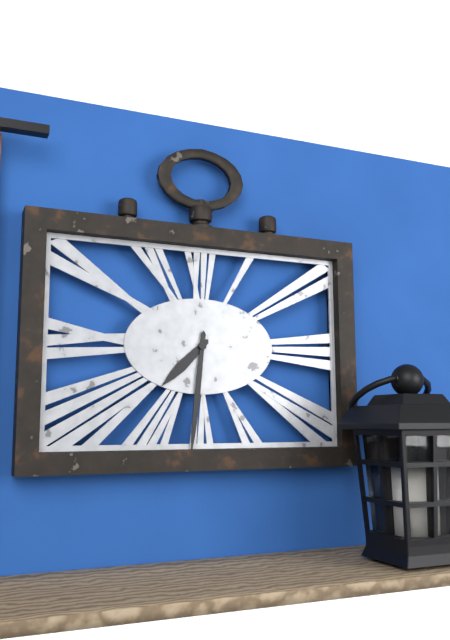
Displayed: 7h31
